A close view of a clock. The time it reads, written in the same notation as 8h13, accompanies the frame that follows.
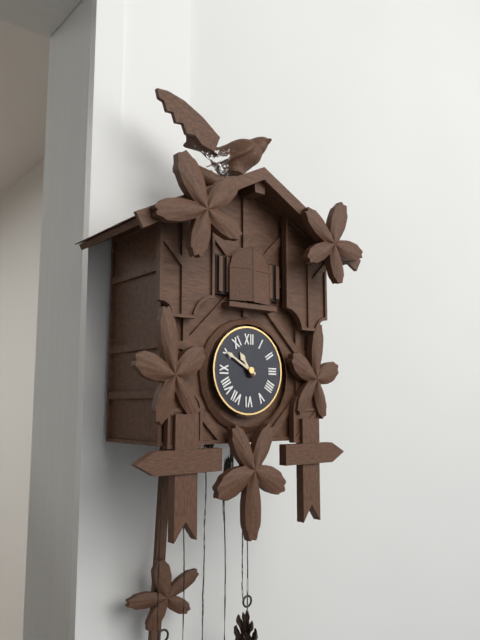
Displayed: 10h50
